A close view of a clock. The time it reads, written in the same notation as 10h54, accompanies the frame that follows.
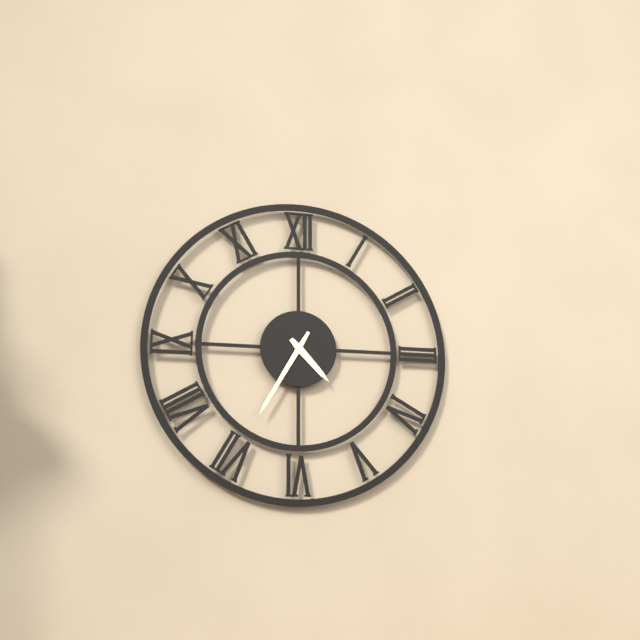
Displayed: 4h35
